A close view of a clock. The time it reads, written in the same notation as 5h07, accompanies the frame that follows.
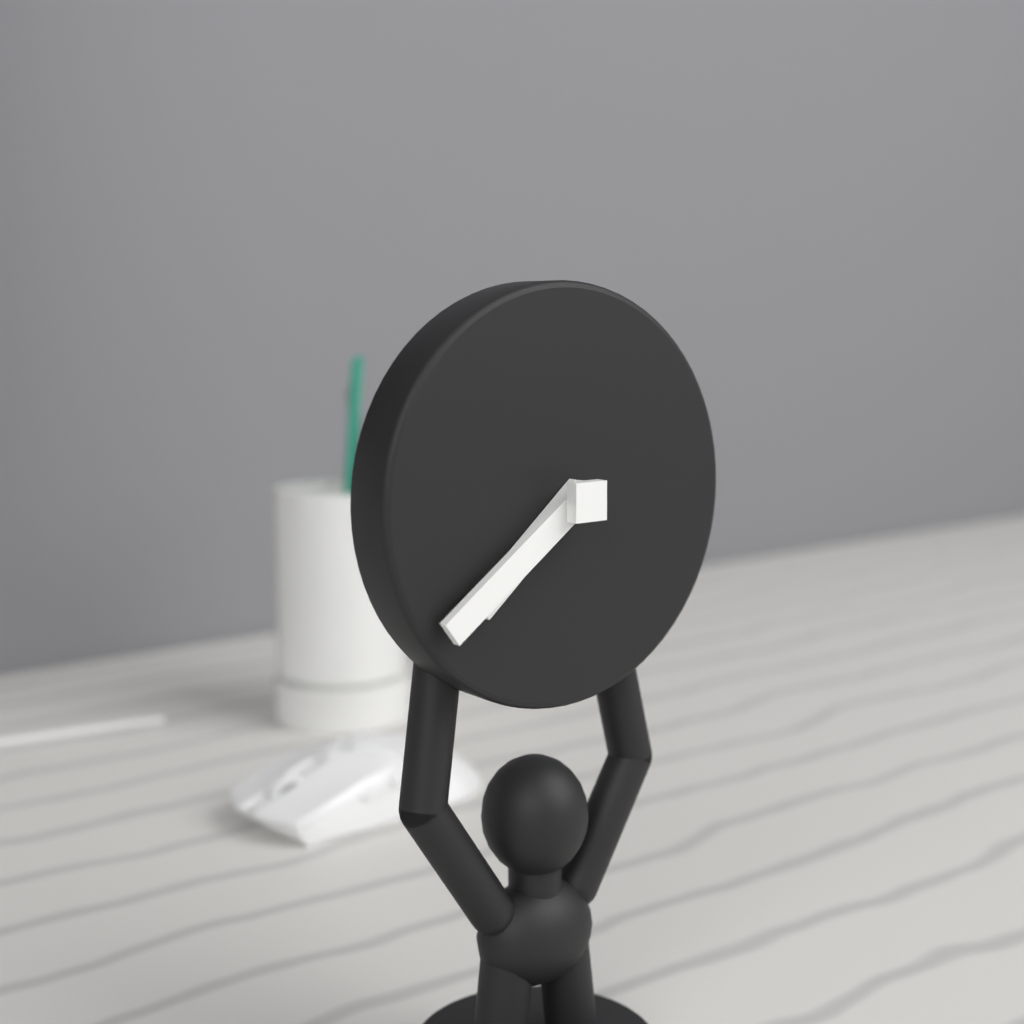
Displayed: 7h39
